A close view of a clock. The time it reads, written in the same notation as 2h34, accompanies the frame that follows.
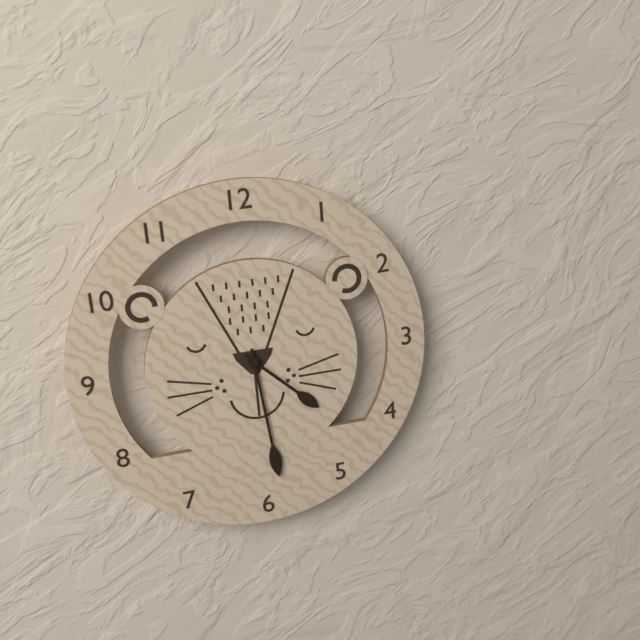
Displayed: 4h29
